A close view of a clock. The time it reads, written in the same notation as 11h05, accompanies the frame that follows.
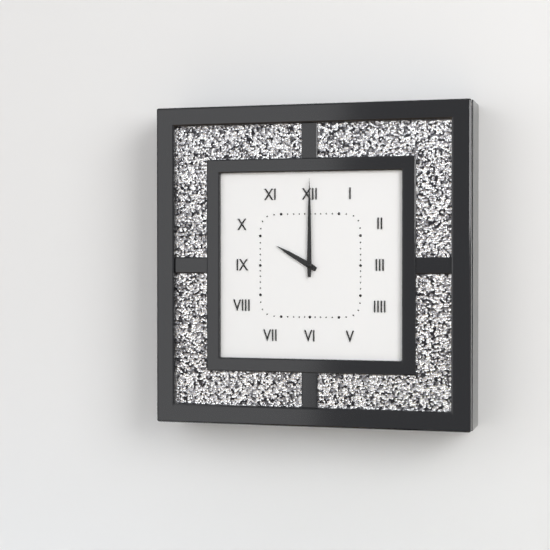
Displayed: 10h00
